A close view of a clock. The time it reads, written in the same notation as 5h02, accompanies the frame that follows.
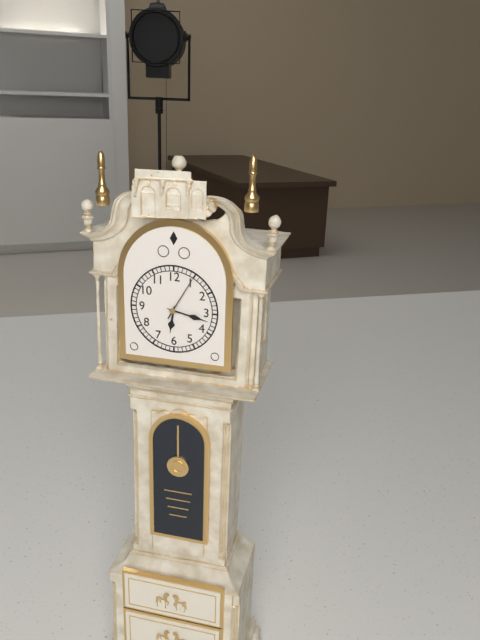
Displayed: 6h17
